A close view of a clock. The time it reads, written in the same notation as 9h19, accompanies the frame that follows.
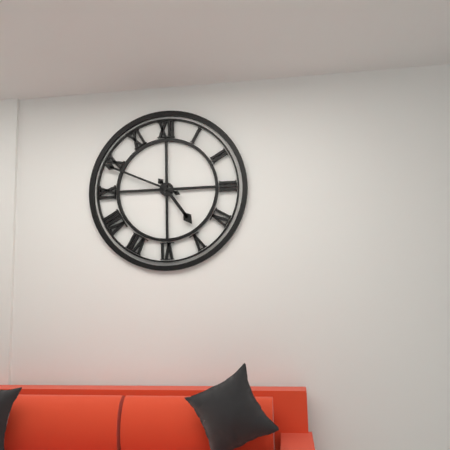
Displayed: 4h49
